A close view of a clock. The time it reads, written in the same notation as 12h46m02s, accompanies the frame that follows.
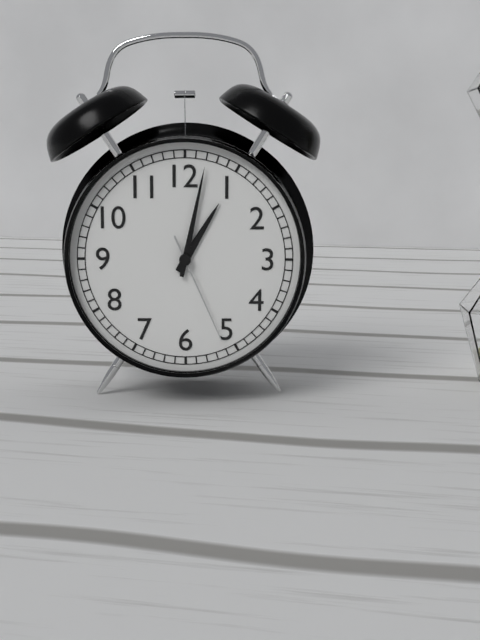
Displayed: 1h02m26s
